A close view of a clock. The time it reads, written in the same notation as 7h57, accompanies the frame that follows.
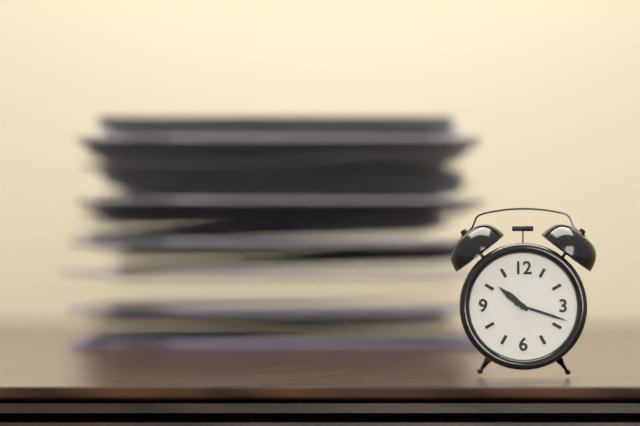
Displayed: 10h18
